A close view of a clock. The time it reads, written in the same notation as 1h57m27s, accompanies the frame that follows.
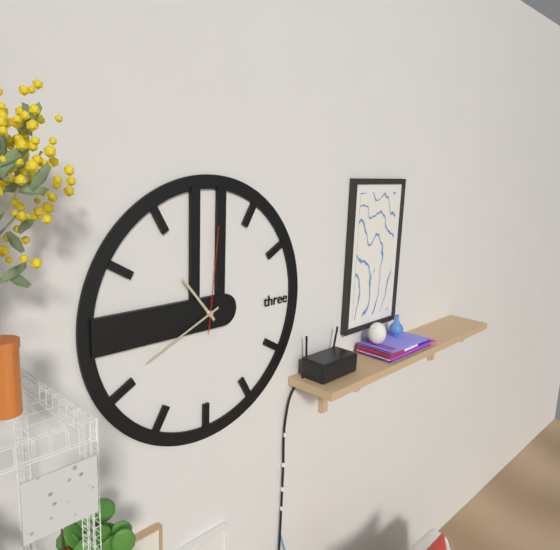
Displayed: 10h41m01s
